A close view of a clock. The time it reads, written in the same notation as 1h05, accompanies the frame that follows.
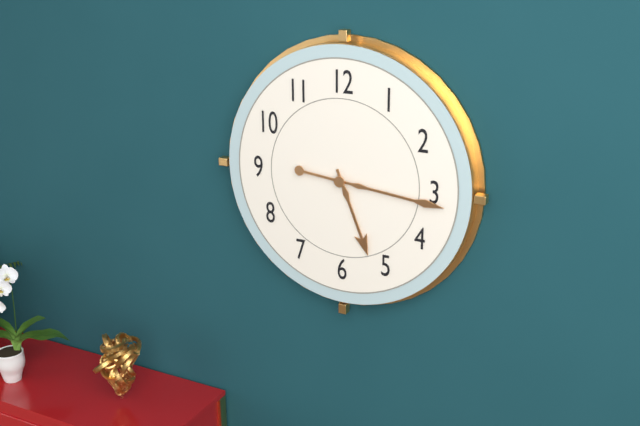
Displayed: 5h16
